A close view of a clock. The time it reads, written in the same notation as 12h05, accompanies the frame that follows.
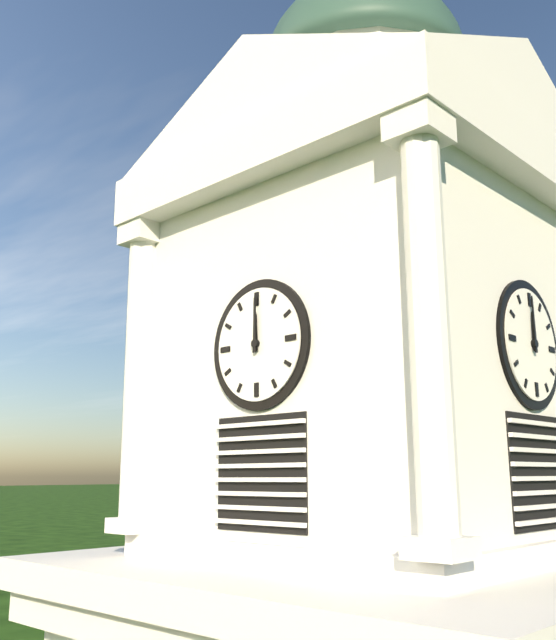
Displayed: 12h00
